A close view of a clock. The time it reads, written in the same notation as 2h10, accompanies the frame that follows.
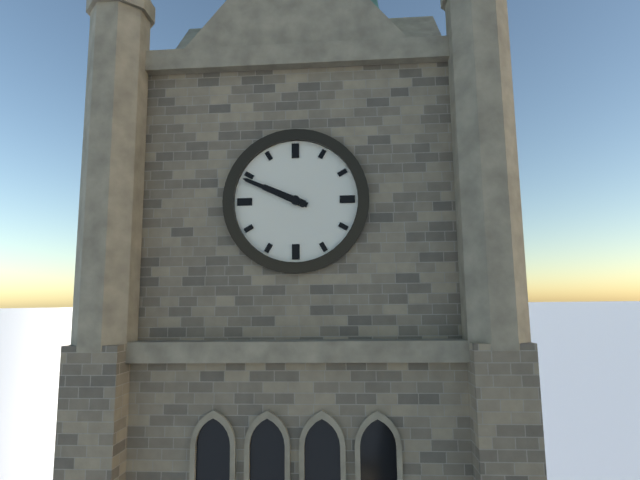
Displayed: 9h49
